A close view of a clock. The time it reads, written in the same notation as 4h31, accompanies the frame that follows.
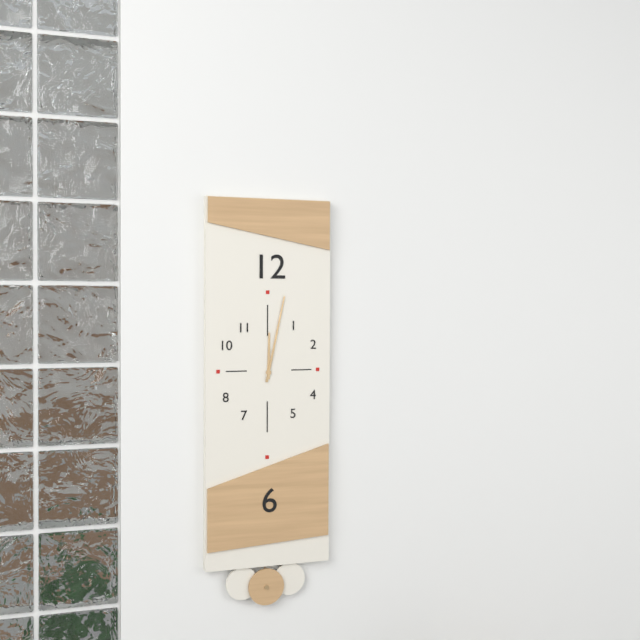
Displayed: 12h02
